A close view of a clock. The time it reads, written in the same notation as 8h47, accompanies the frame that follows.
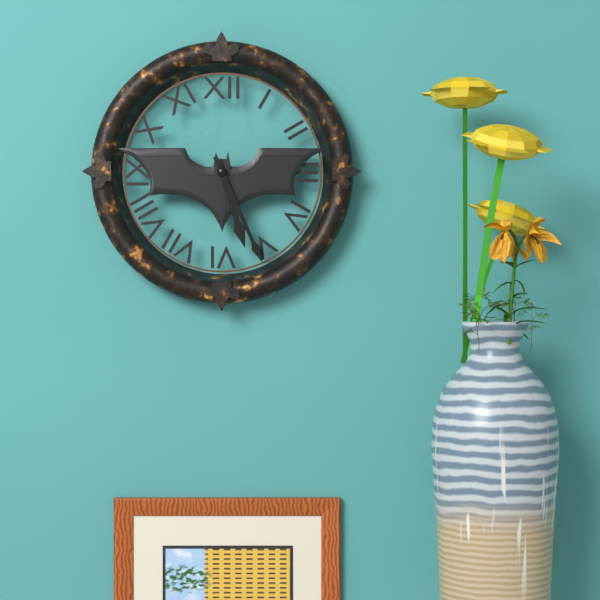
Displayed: 5h26
